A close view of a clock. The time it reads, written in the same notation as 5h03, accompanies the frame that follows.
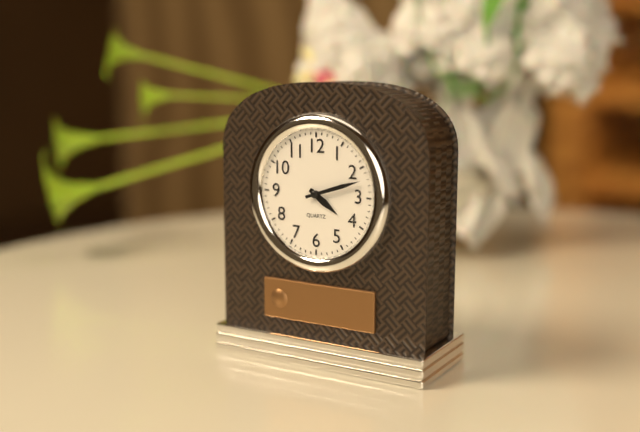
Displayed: 4h12
